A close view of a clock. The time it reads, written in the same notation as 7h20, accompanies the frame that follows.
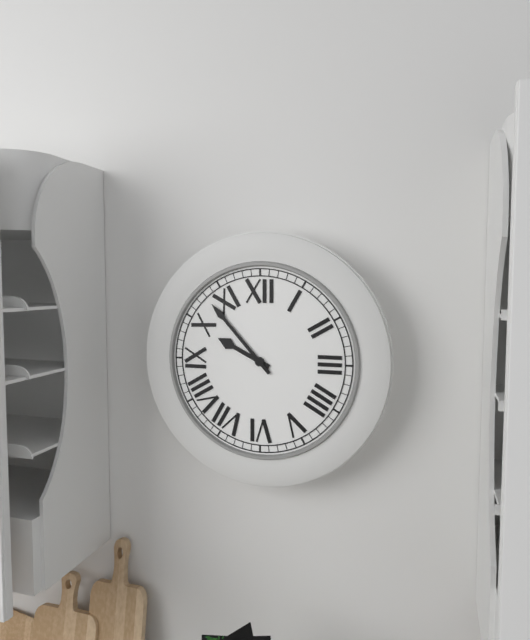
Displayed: 9h53
